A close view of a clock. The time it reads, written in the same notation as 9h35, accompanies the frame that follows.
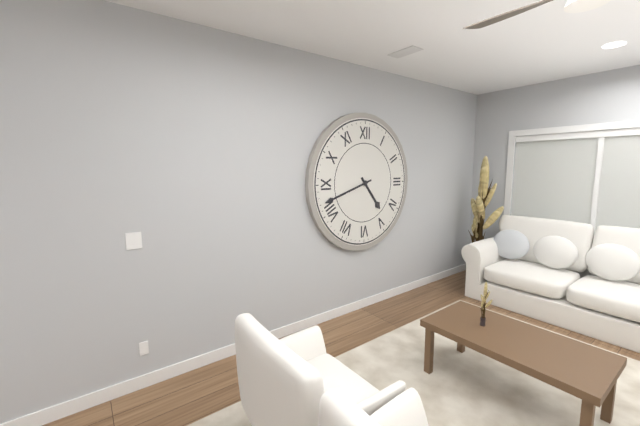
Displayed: 4h42
